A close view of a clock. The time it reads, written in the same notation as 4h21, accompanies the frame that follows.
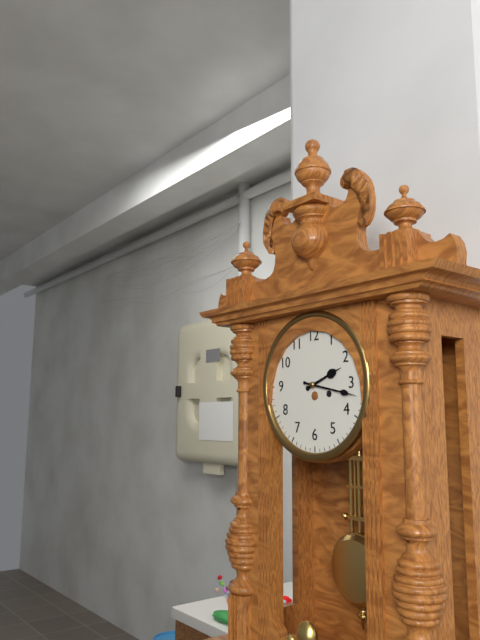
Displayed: 2h17
